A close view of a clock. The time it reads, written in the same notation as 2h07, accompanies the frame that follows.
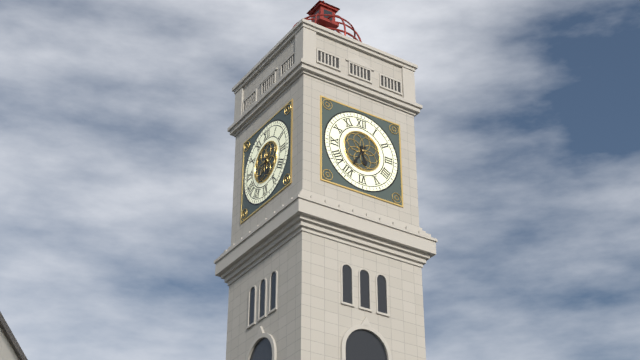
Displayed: 5h35
